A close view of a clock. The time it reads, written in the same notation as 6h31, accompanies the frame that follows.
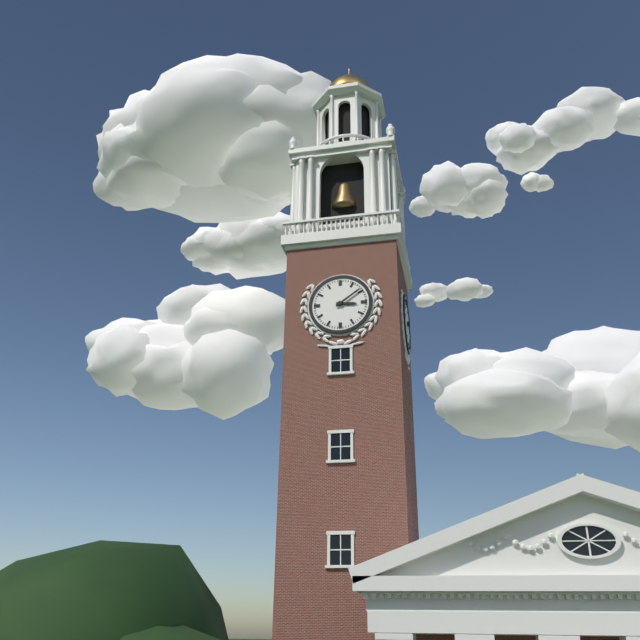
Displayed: 3h09
